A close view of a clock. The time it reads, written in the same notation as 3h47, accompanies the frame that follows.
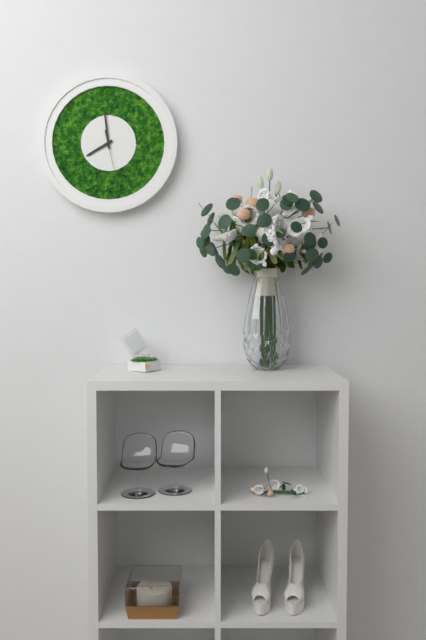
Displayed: 7h59
